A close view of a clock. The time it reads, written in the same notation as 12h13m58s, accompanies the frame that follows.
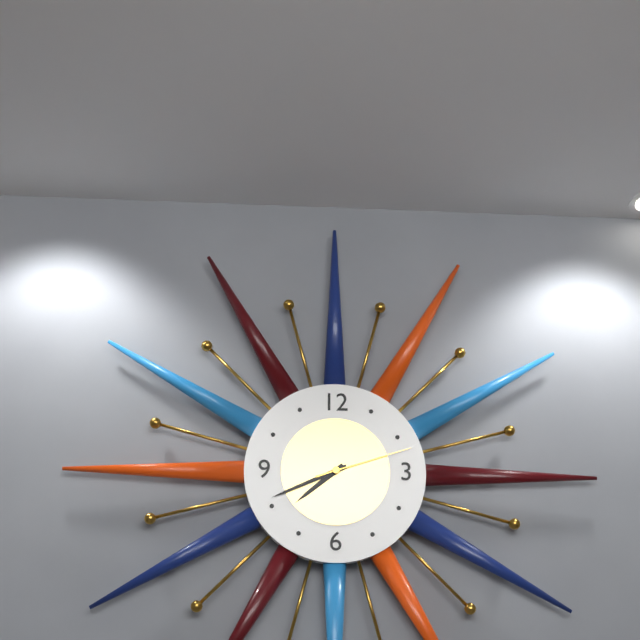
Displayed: 7h41m12s
